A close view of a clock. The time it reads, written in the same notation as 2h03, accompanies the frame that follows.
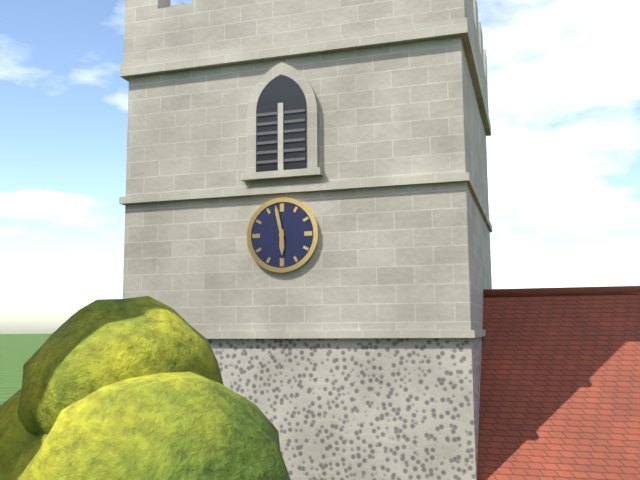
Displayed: 5h58
